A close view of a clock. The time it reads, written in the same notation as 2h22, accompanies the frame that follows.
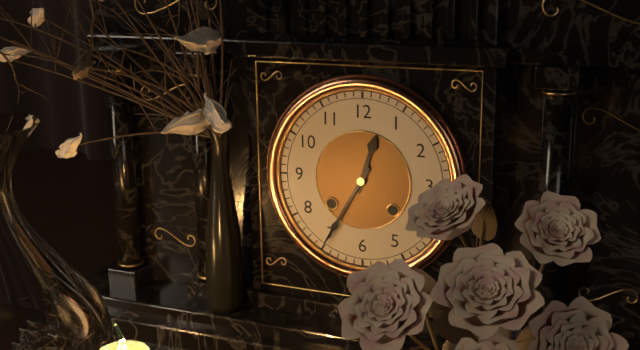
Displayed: 12h35
